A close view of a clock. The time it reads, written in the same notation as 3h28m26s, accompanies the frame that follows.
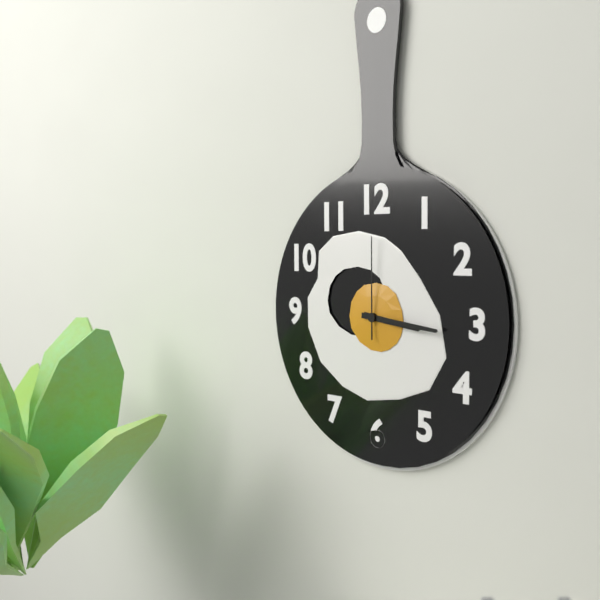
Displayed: 3h16m00s
